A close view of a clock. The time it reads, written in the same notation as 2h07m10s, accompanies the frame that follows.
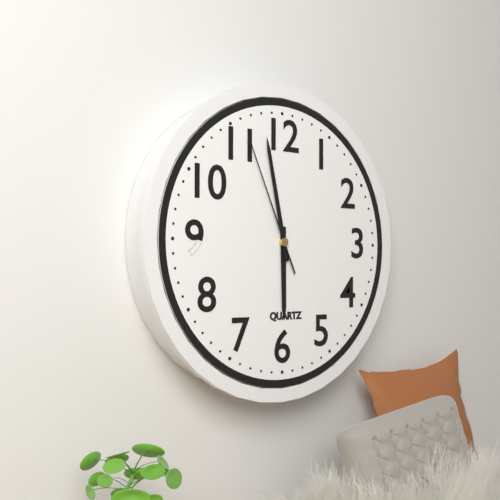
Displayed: 5h58m56s
